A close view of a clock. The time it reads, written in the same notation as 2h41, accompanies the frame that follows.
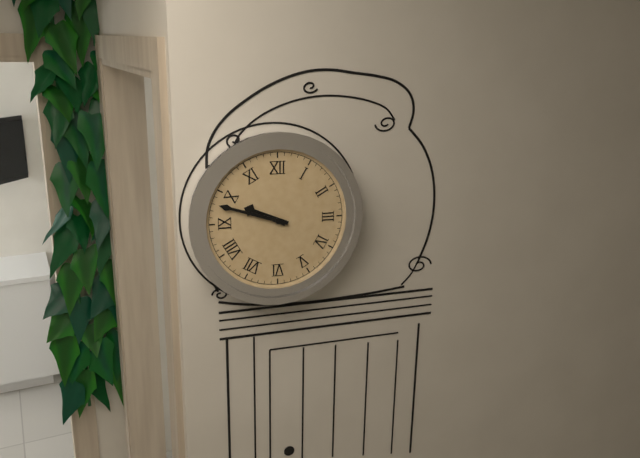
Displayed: 9h48
